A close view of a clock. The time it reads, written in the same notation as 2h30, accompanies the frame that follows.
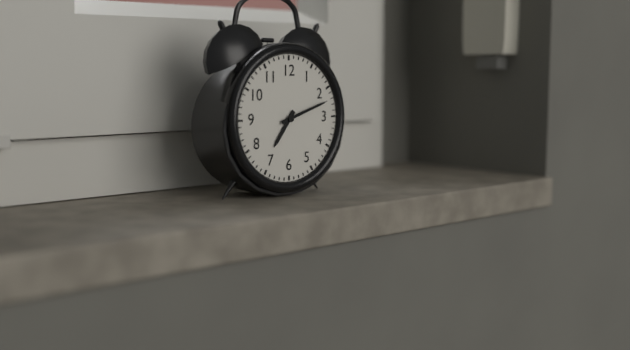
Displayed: 7h12
